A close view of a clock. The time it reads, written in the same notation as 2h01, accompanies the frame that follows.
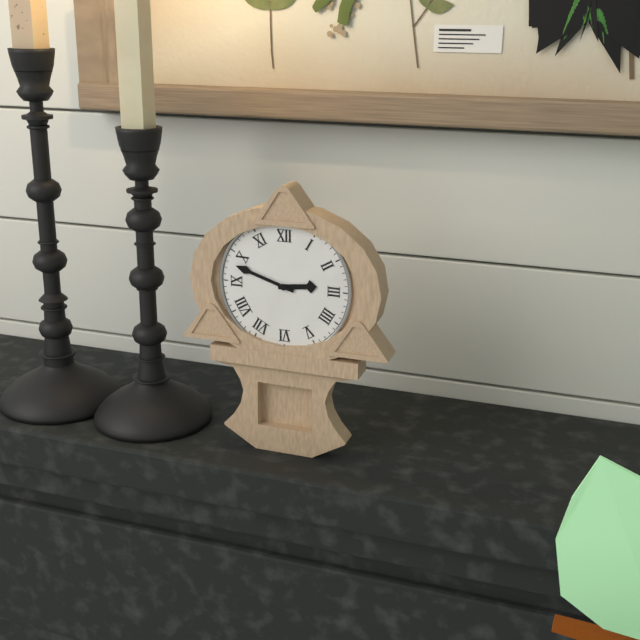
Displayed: 2h48
